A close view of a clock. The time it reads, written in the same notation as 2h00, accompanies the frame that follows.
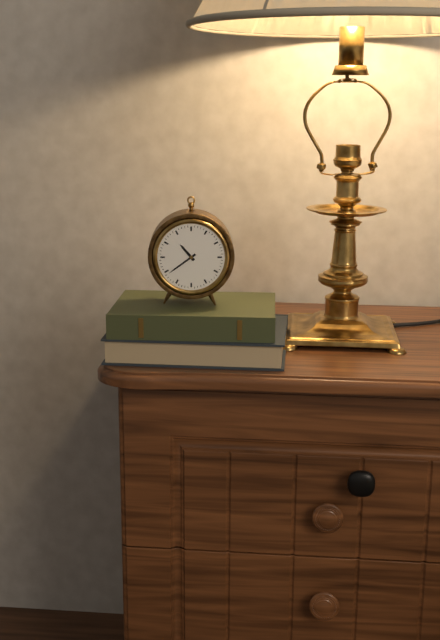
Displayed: 10h39
